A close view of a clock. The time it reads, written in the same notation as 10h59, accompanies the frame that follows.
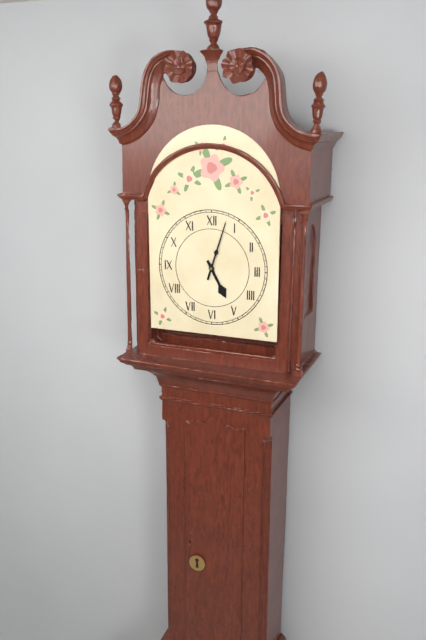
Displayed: 5h03
